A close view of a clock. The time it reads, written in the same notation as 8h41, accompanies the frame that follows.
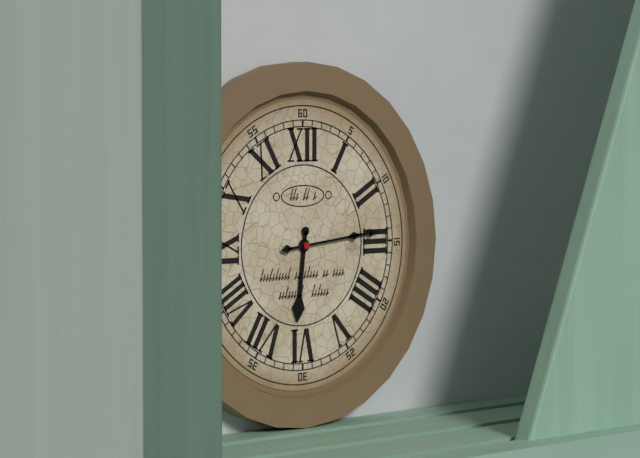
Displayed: 6h14
